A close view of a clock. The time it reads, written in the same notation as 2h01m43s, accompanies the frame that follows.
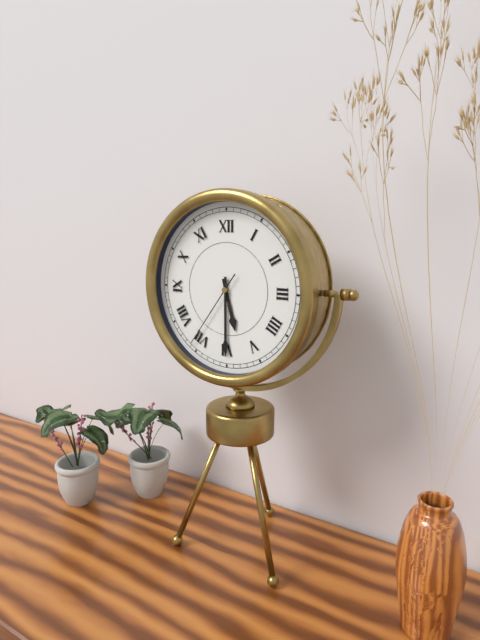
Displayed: 5h30m36s
